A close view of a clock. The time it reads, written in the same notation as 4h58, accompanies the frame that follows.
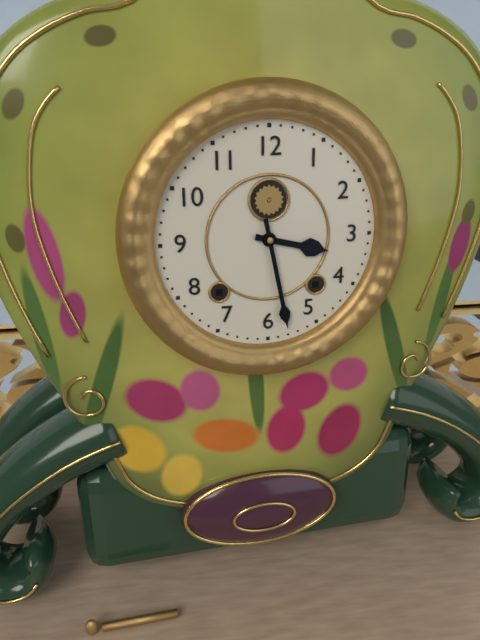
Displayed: 3h28
